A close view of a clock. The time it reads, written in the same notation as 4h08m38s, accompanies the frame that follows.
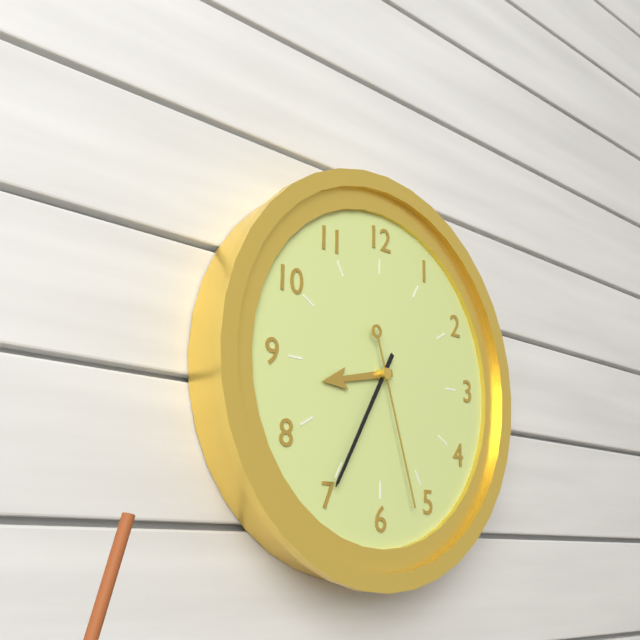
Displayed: 8h35m27s
